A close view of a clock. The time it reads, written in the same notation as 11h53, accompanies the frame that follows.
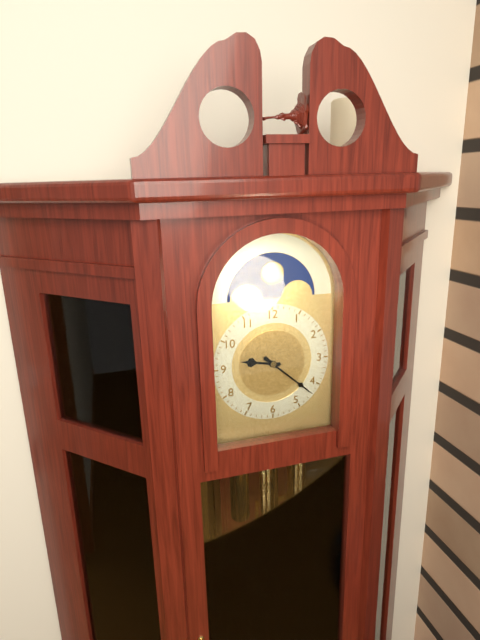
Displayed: 9h22
